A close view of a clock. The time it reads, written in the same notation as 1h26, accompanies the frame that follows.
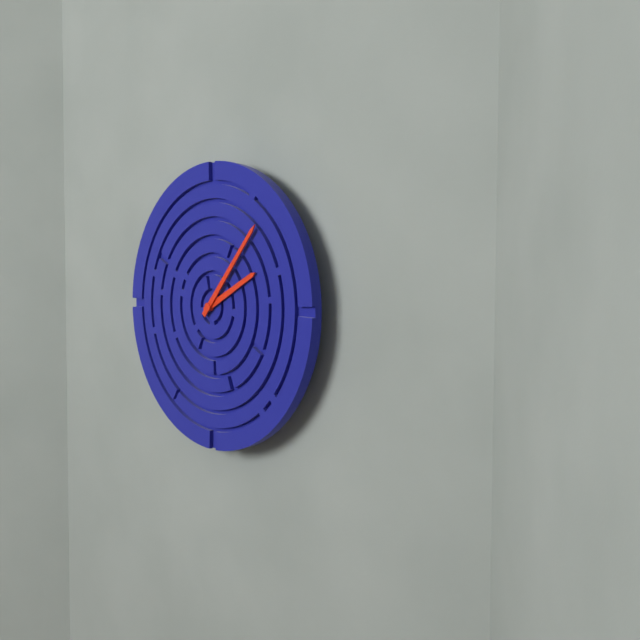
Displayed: 2h07
